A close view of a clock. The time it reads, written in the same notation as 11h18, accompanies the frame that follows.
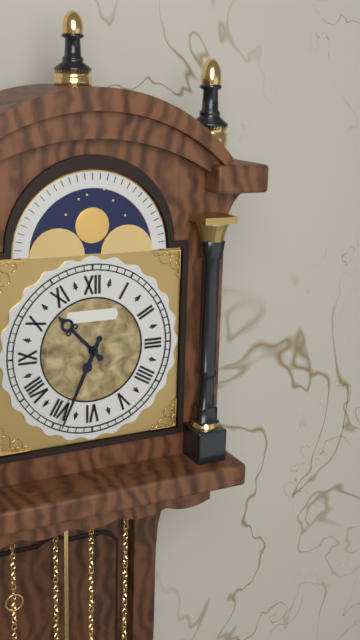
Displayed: 10h34
